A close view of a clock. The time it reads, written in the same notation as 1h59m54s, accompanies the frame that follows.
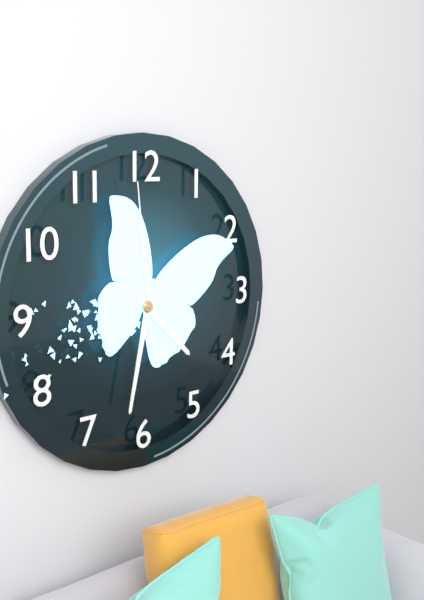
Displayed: 4h32m59s
